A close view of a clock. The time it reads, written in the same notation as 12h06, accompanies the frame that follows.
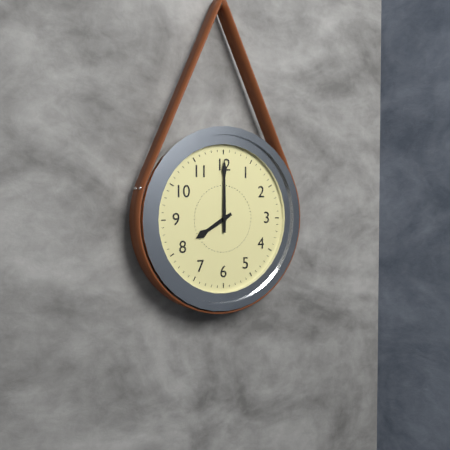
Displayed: 8h00
